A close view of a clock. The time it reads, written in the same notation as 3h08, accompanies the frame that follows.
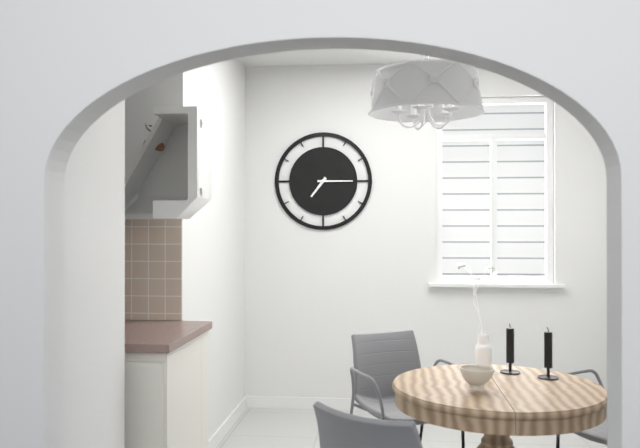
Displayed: 7h15
